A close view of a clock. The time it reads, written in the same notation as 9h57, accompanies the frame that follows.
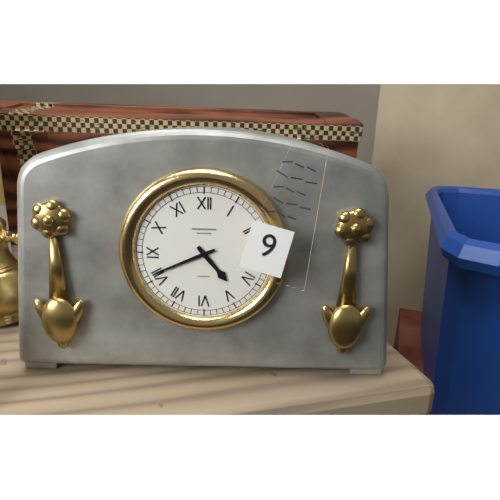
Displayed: 4h41
